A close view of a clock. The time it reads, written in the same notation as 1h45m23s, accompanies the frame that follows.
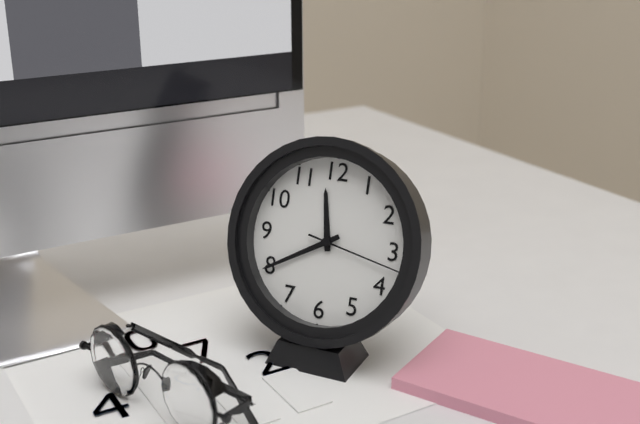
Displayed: 11h40m17s
